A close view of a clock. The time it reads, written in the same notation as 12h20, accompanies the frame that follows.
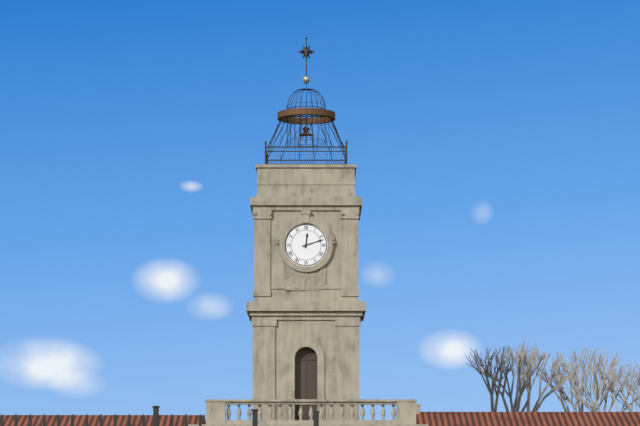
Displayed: 12h12
